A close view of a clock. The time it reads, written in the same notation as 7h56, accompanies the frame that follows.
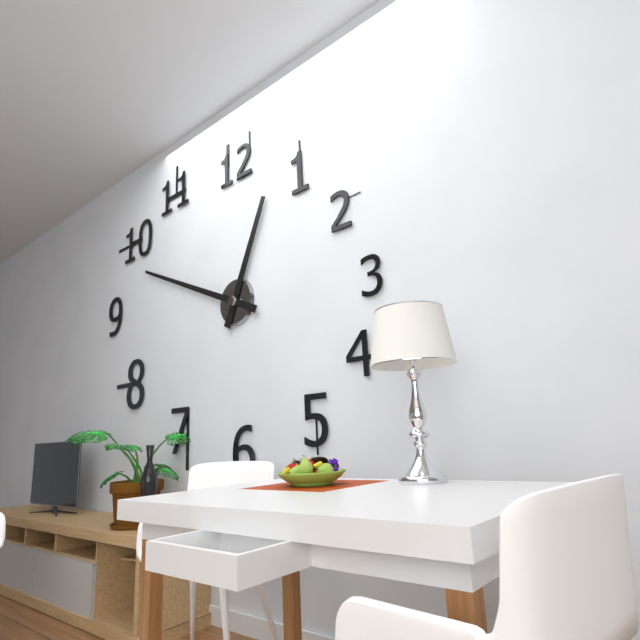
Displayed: 12h49
